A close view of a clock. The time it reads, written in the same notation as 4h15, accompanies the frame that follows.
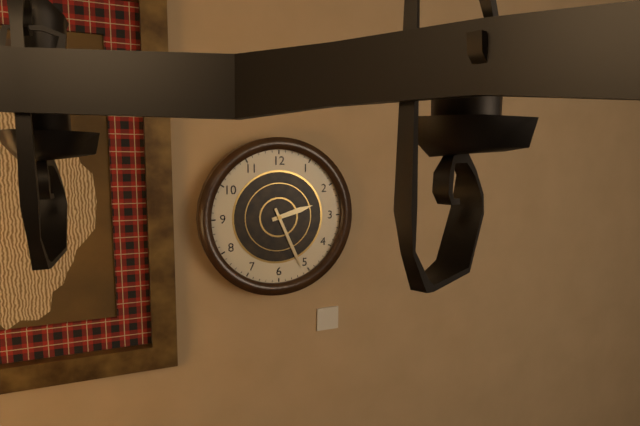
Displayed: 2h26
